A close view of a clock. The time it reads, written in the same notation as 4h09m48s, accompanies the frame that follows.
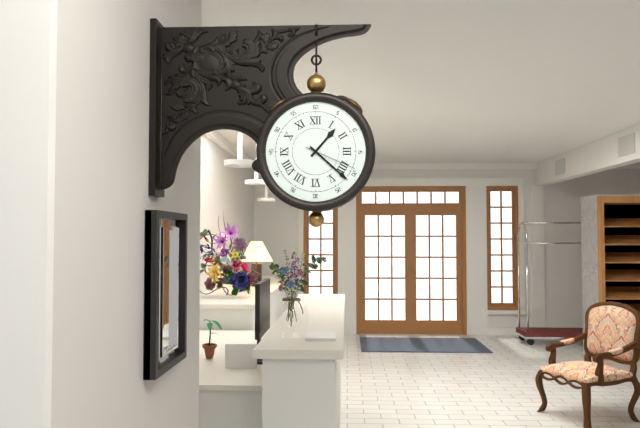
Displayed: 1h22m19s
